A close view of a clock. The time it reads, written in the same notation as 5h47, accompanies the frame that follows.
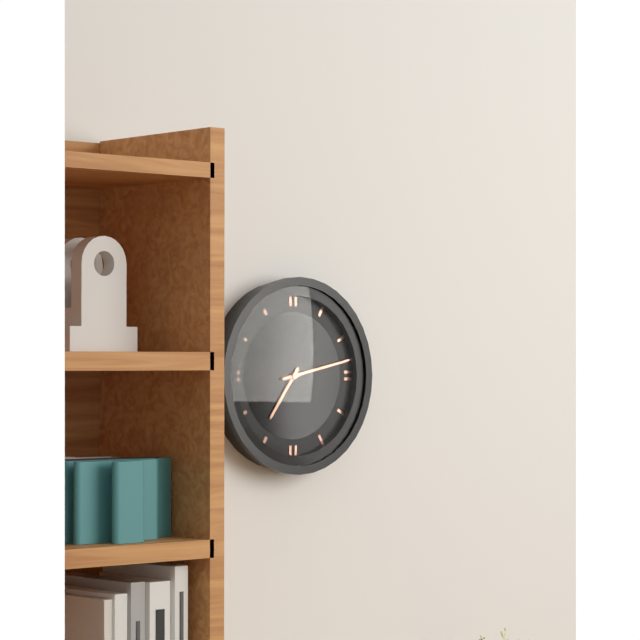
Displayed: 7h13
